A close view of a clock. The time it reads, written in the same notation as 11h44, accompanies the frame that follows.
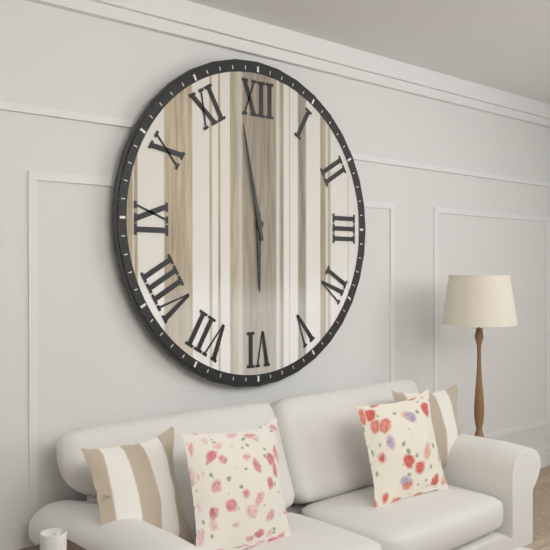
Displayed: 5h58
